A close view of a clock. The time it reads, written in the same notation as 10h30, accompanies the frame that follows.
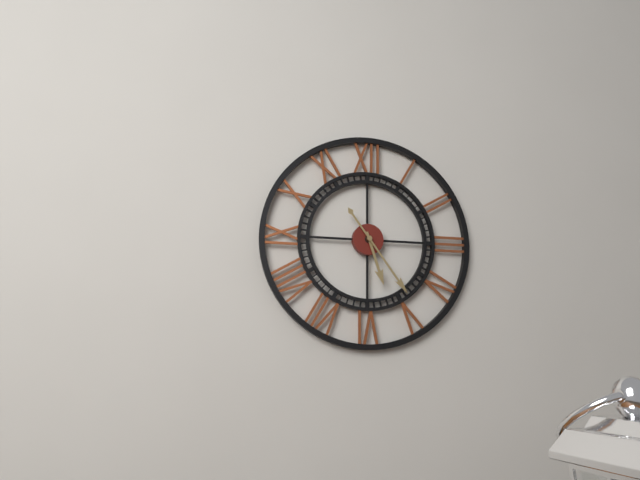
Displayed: 5h24
